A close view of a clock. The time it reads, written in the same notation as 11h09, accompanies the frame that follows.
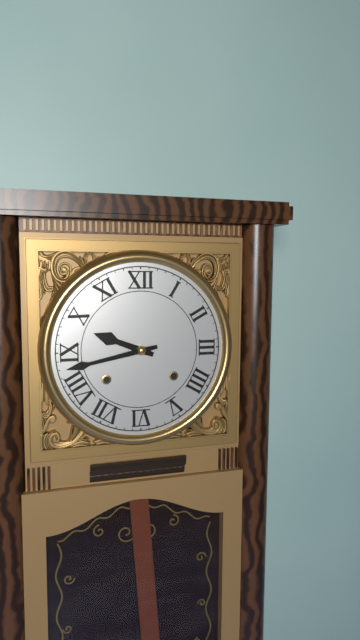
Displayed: 9h43
